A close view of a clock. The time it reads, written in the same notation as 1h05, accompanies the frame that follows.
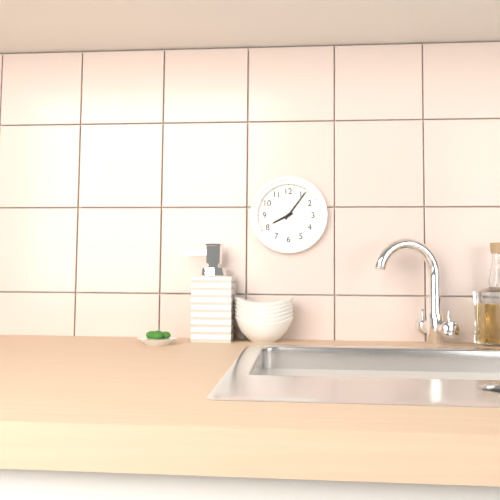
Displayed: 8h06
